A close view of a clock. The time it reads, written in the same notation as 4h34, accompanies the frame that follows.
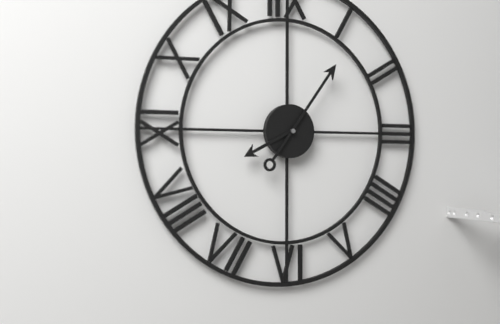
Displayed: 8h06
